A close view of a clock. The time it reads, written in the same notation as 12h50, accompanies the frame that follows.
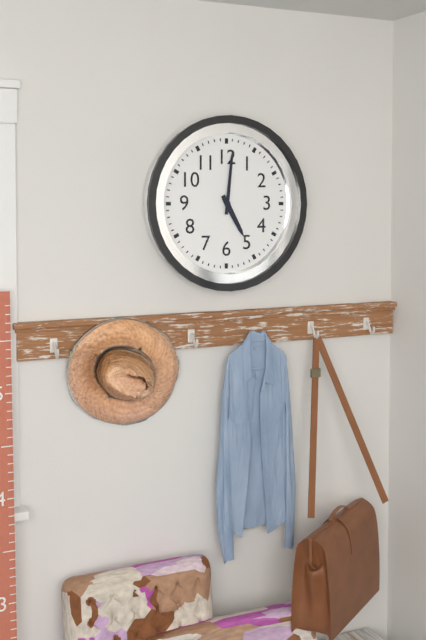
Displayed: 5h01
